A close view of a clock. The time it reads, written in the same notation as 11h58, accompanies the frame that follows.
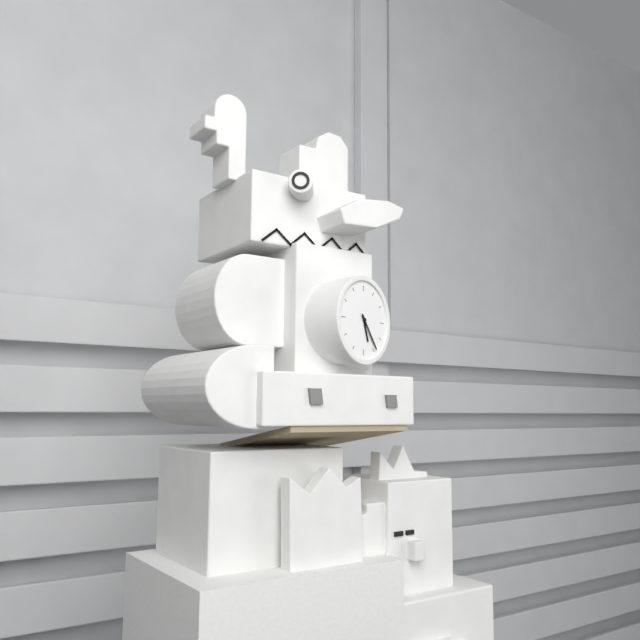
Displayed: 5h24
